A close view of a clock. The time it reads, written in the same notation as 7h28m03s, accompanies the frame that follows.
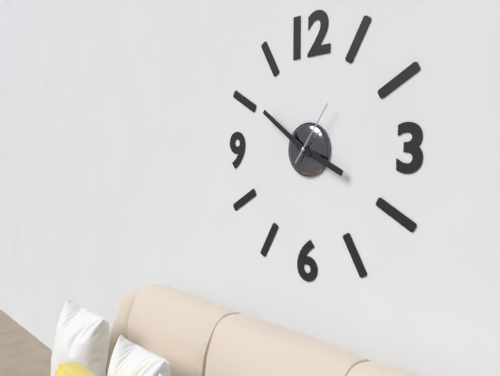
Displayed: 3h51m06s
